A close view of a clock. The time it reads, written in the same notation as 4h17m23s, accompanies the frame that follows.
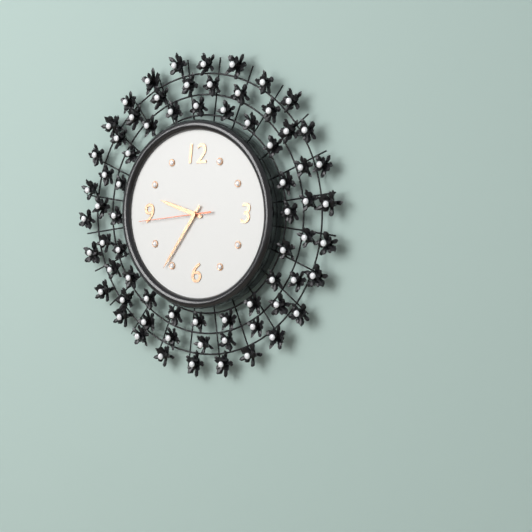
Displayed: 9h36m44s
